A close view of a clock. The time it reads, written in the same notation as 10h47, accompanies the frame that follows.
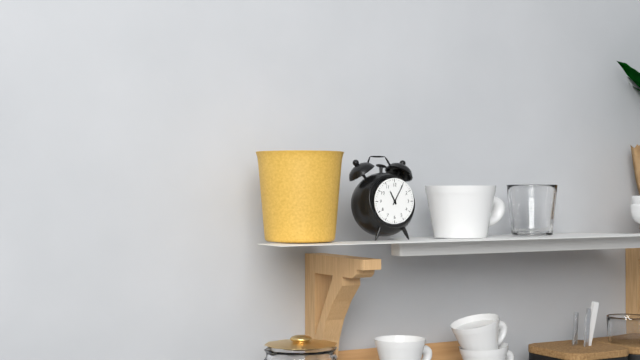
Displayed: 11h05
